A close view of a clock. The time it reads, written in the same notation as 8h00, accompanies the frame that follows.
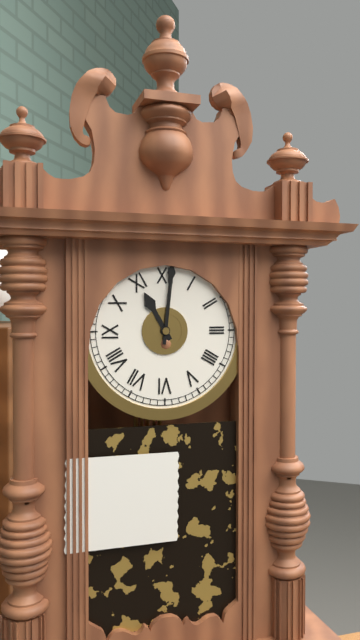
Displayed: 11h01
